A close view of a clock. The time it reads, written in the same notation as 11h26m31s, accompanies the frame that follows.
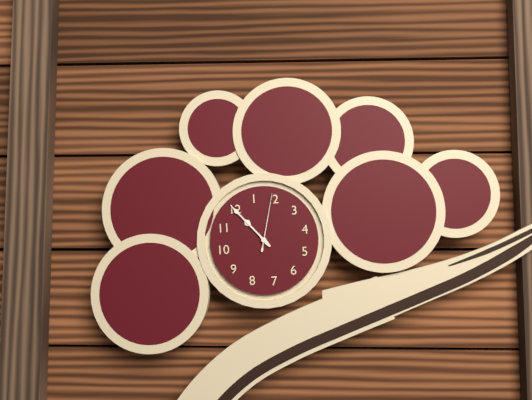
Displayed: 12h00m09s
